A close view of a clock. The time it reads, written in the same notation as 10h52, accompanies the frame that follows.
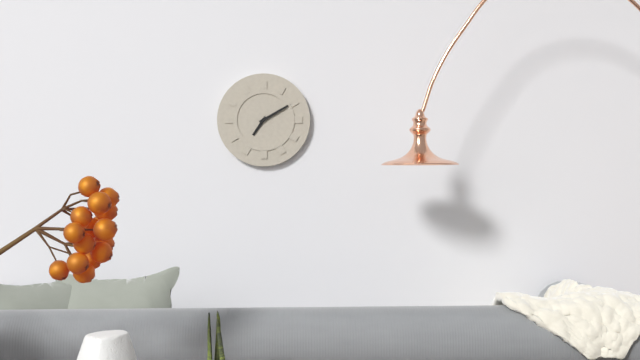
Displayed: 7h10
